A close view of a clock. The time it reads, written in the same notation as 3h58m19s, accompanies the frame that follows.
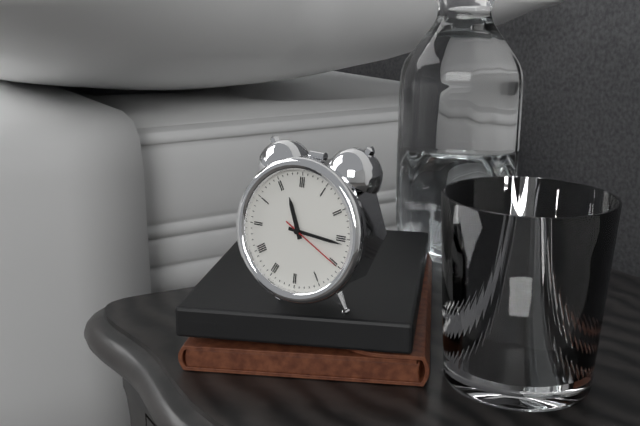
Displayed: 11h16m20s
